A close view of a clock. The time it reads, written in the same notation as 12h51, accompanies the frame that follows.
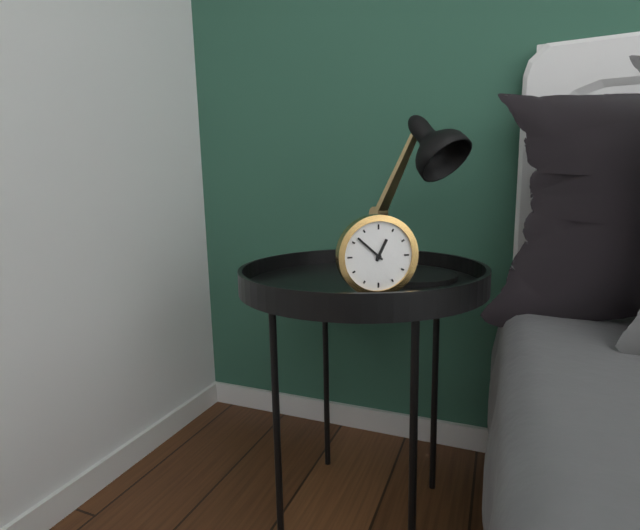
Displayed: 12h52
